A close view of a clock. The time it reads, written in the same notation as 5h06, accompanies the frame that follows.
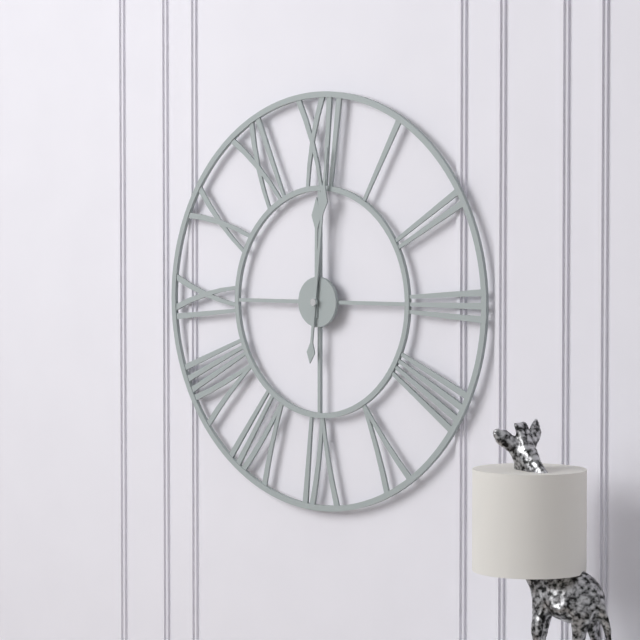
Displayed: 12h01
